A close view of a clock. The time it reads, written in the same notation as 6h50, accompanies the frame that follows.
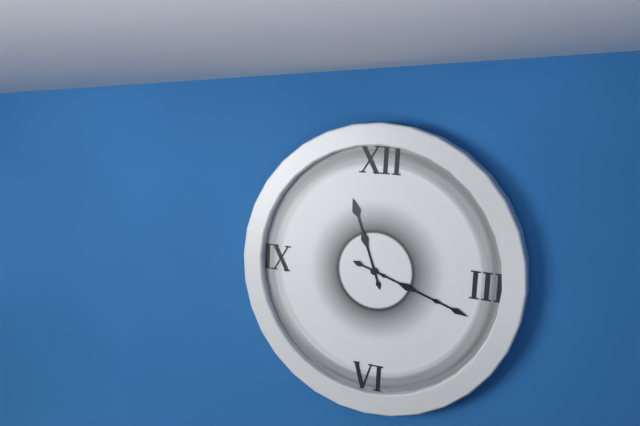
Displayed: 11h18
